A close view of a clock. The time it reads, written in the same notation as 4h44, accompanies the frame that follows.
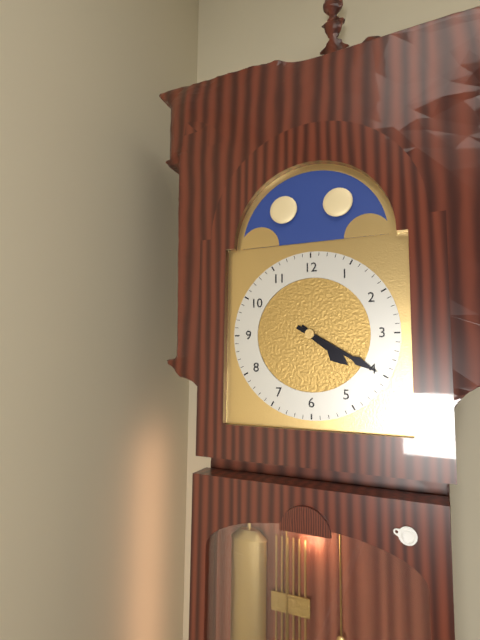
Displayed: 4h20
